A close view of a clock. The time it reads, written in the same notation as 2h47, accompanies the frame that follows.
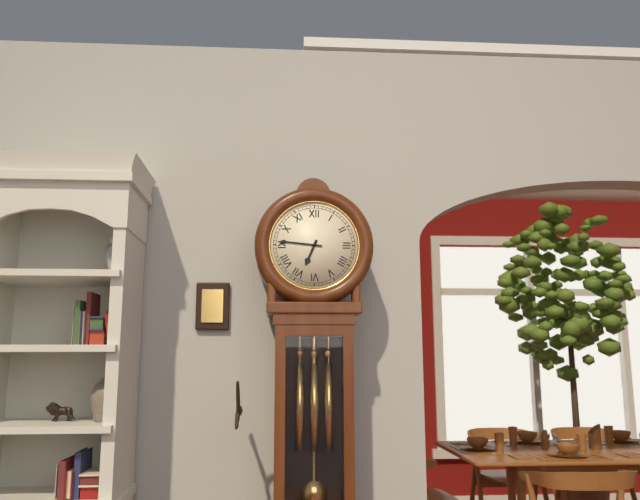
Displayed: 6h46
